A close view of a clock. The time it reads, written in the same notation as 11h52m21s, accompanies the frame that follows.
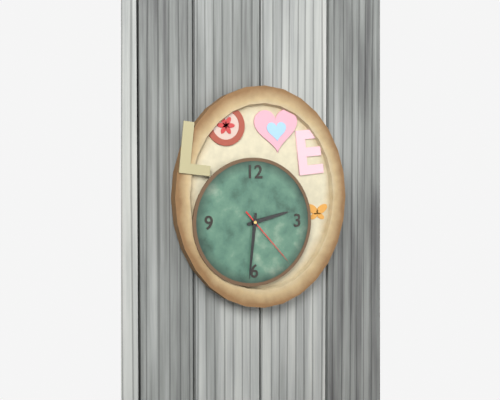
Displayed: 2h31m23s
